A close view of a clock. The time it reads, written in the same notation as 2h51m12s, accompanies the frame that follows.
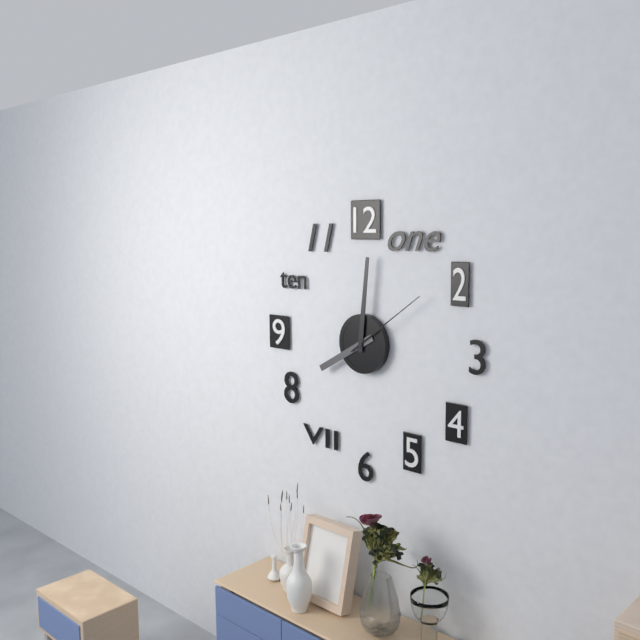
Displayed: 8h01m09s
